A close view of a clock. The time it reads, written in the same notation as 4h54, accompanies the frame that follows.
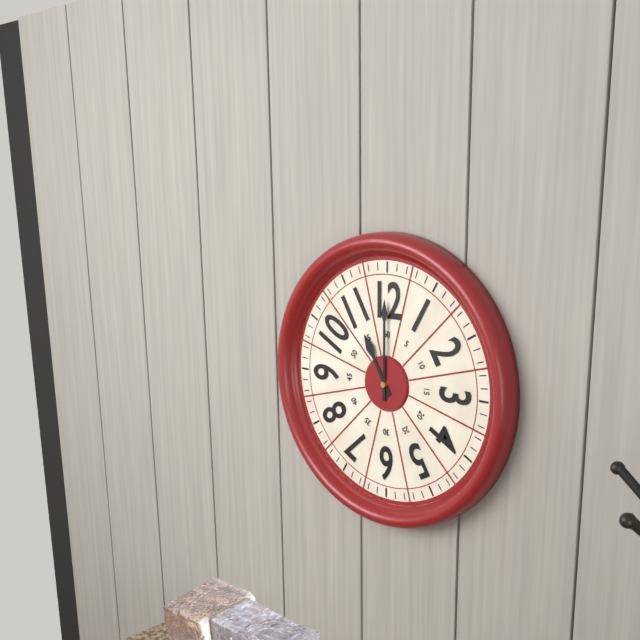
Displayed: 11h00
